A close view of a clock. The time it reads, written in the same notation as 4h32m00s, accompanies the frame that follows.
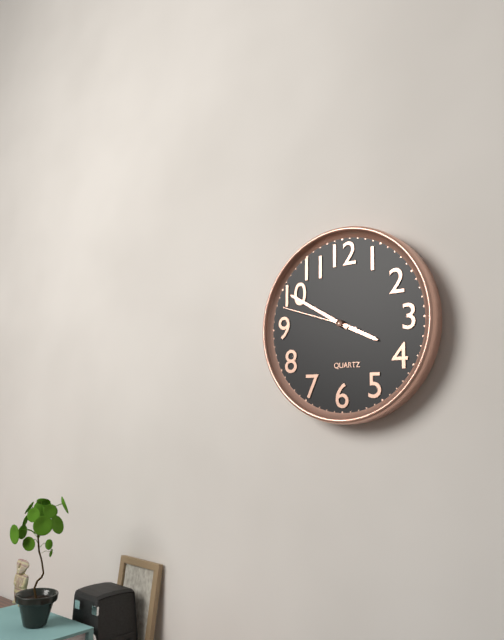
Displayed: 3h50m48s
